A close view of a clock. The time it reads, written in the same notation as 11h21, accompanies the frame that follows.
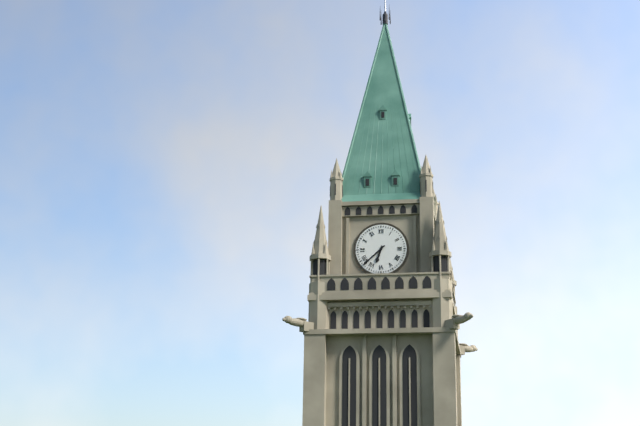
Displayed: 6h38
